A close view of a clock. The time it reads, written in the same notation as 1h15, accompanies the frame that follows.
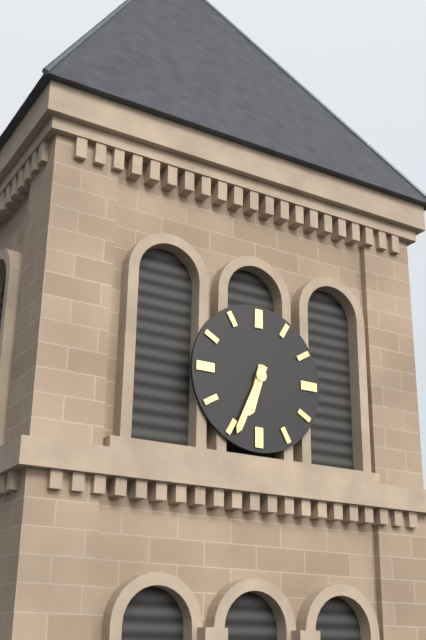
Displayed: 6h34
